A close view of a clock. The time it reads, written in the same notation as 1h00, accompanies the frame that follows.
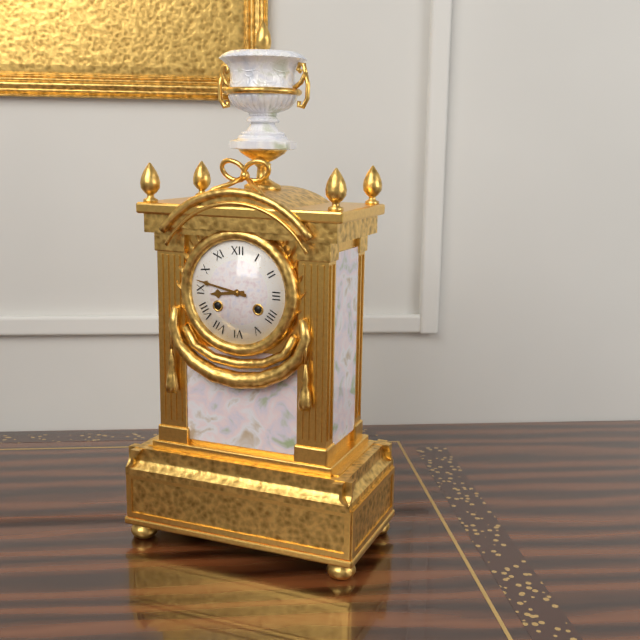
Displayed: 8h47
